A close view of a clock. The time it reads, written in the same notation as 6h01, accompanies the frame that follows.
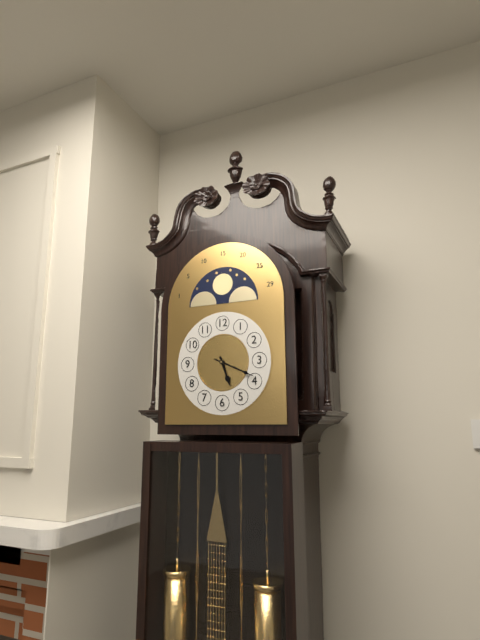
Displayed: 5h19
